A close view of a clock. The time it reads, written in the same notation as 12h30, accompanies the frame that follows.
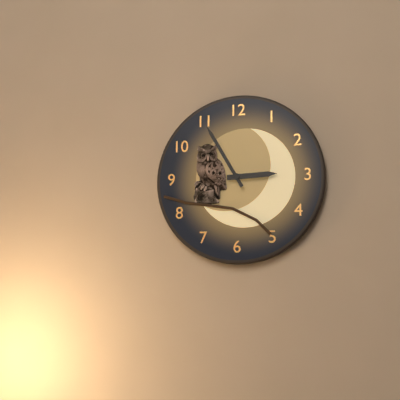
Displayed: 2h55
